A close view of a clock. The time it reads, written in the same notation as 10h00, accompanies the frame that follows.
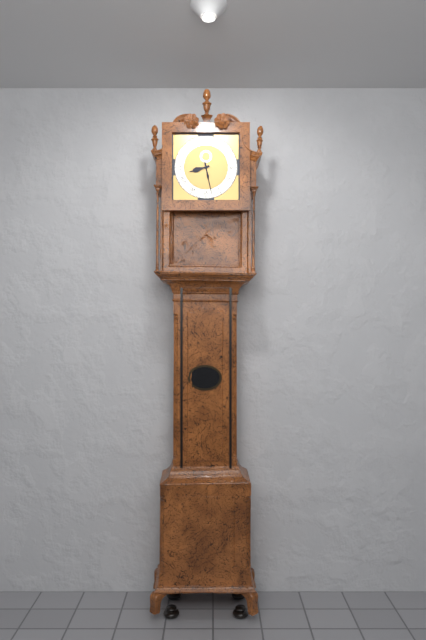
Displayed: 8h28
